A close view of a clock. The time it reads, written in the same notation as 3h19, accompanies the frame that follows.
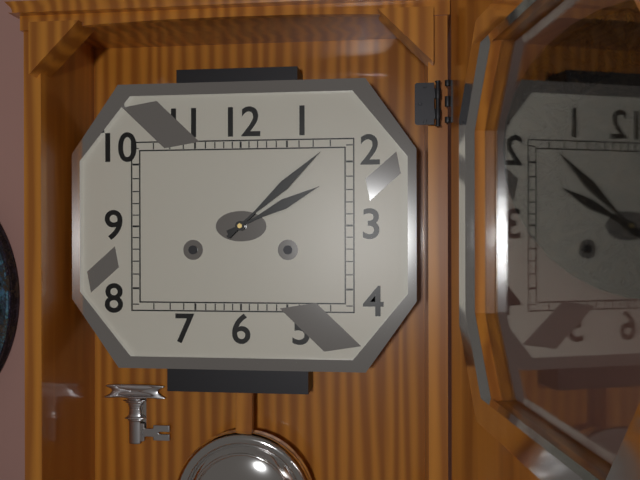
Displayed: 2h08
